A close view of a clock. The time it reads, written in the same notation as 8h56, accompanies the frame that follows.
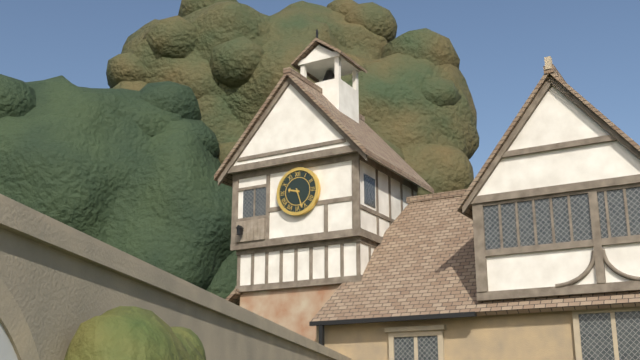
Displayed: 9h27
